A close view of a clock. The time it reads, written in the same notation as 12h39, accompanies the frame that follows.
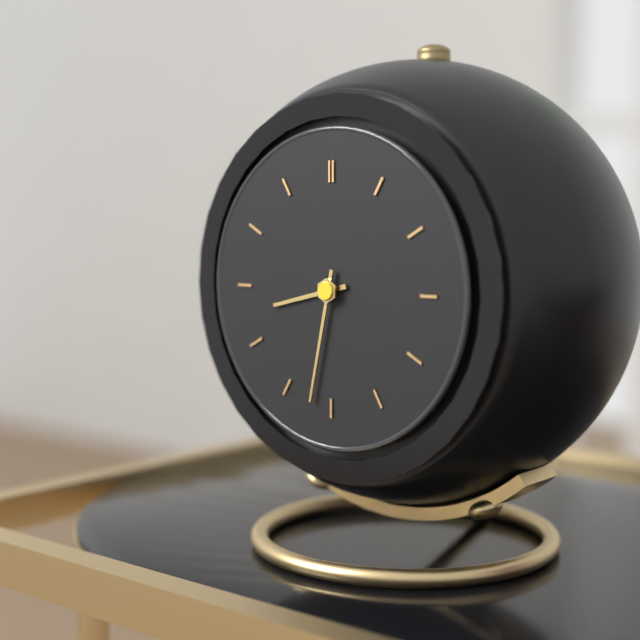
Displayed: 8h32
